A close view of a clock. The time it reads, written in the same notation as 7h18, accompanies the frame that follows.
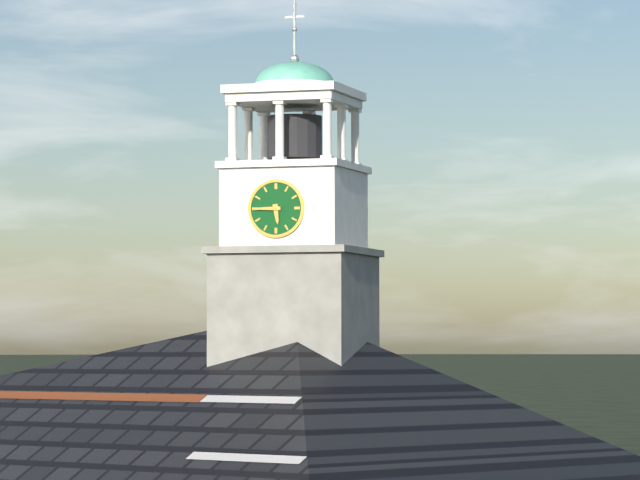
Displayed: 5h45
